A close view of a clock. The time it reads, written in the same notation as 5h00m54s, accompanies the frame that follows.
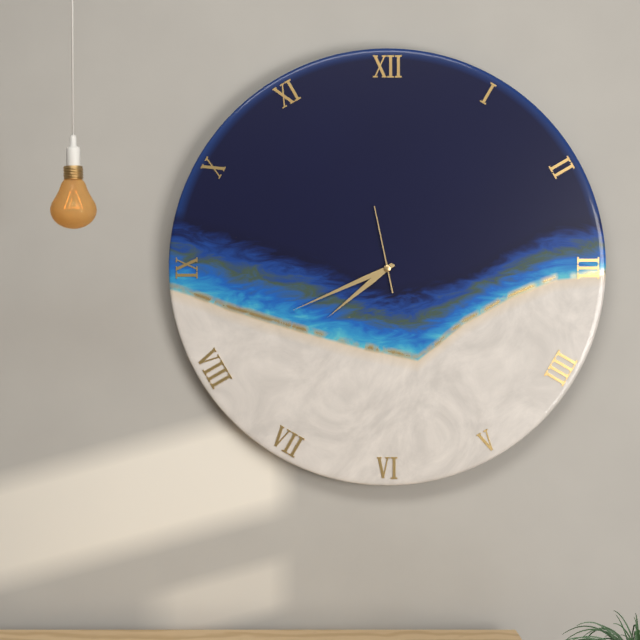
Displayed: 7h41m58s
